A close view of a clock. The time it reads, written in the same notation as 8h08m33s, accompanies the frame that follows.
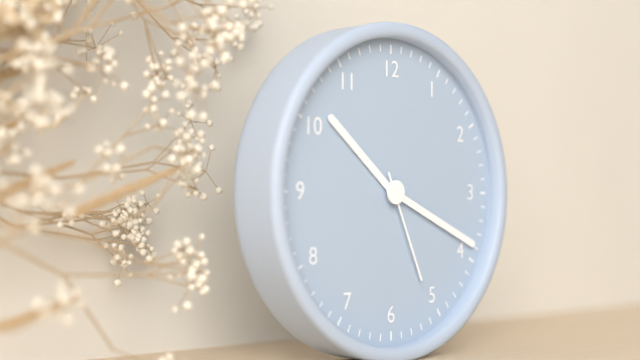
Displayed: 10h19m26s
